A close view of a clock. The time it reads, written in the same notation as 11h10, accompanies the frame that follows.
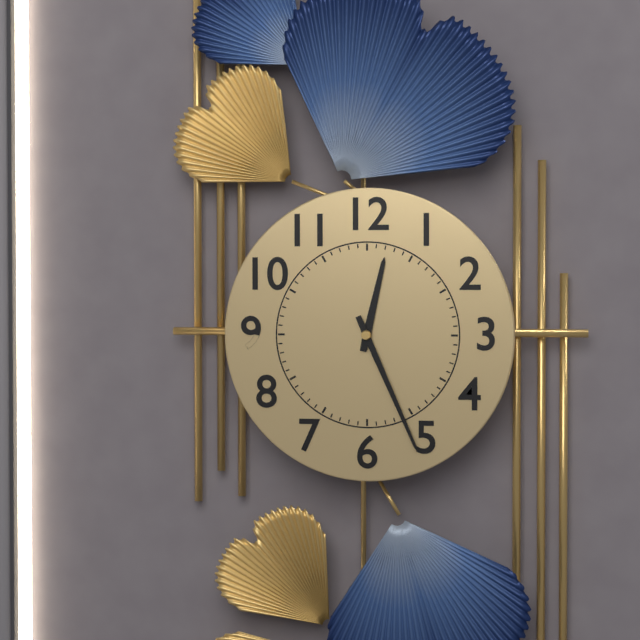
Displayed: 12h26
